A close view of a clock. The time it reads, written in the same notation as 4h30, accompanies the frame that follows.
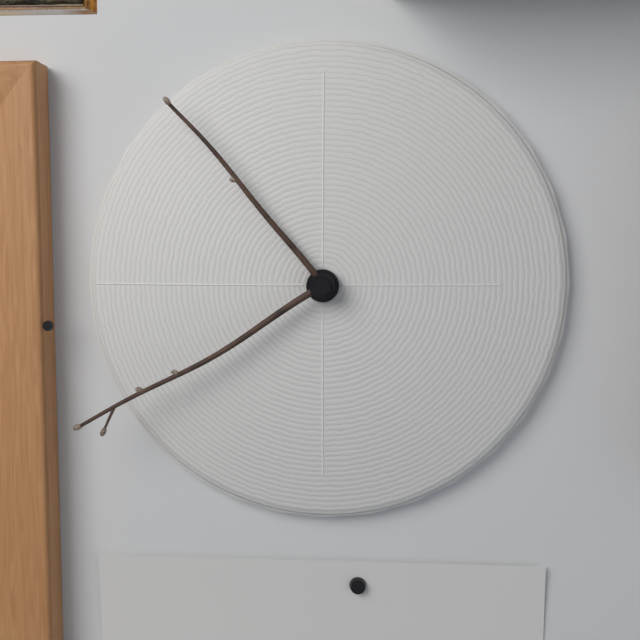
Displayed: 10h40
